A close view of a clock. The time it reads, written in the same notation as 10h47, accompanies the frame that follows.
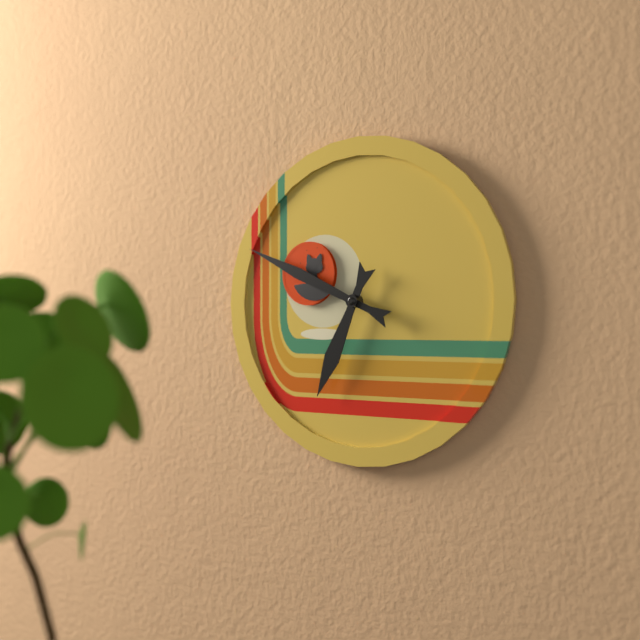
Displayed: 6h49
